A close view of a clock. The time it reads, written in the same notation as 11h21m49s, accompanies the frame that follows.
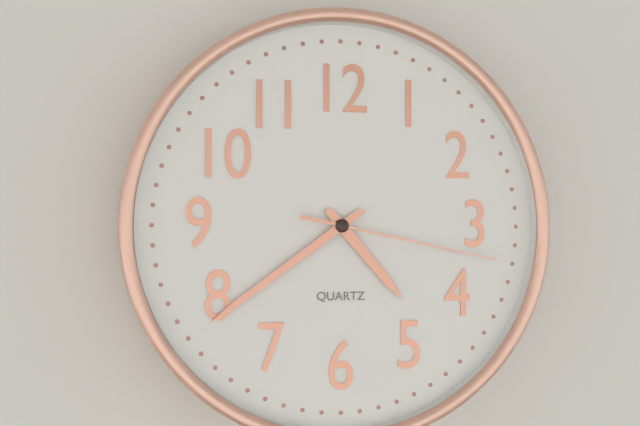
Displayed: 4h39m17s
